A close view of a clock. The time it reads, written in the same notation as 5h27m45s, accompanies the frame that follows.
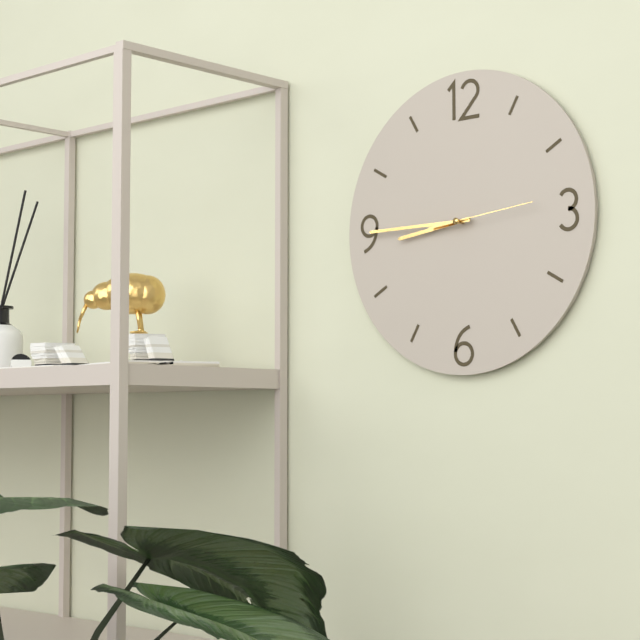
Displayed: 8h45m14s
